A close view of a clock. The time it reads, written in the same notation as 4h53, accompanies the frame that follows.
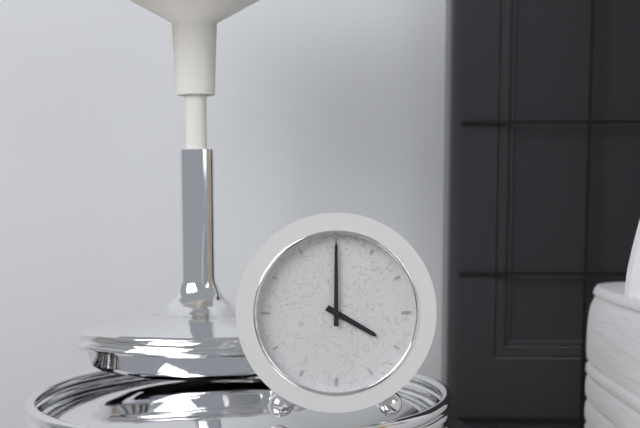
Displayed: 4h00
